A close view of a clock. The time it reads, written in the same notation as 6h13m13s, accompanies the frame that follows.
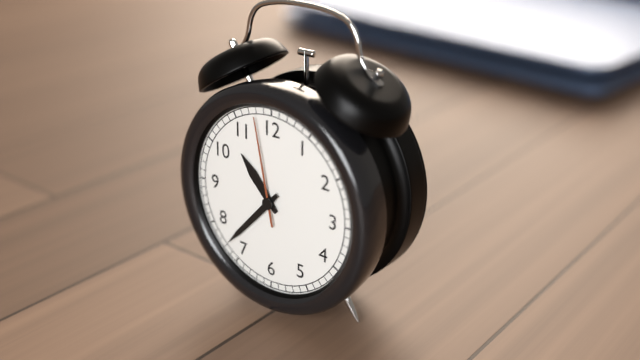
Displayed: 10h37m58s
